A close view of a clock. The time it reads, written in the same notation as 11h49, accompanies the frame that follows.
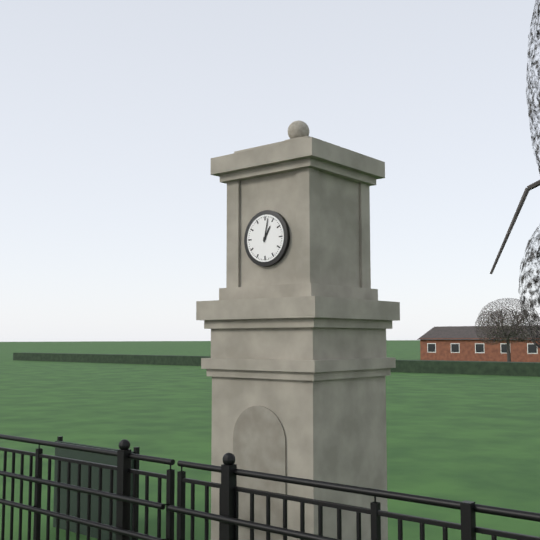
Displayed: 1h02
